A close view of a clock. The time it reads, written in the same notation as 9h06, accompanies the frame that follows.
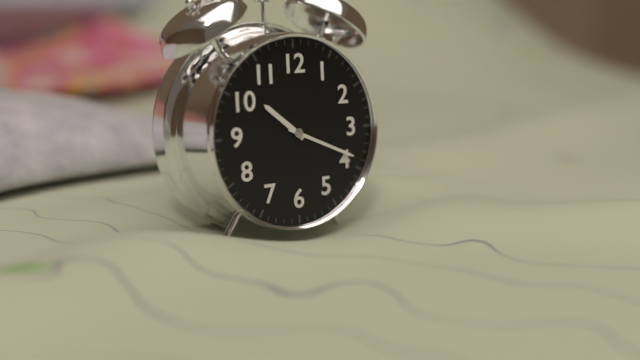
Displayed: 10h19
